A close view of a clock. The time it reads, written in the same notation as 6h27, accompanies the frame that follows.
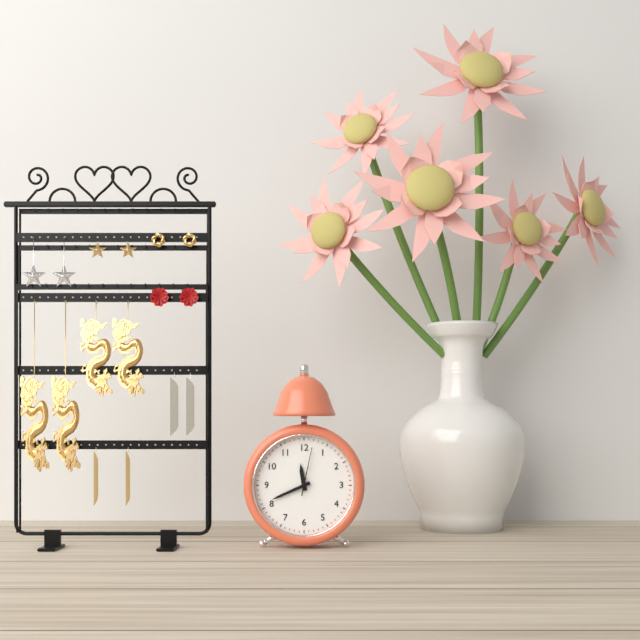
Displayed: 11h41
